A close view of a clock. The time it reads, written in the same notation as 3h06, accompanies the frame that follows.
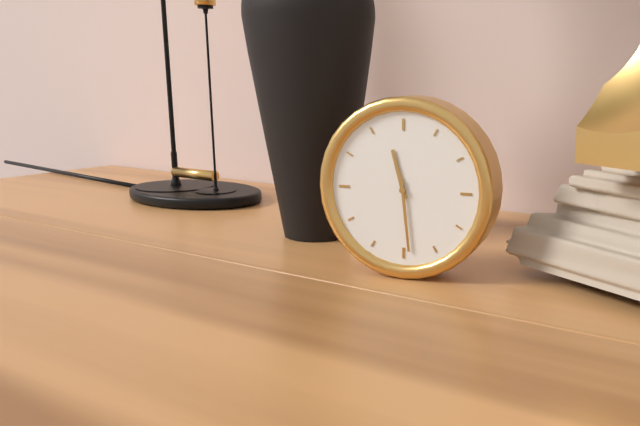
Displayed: 11h29
